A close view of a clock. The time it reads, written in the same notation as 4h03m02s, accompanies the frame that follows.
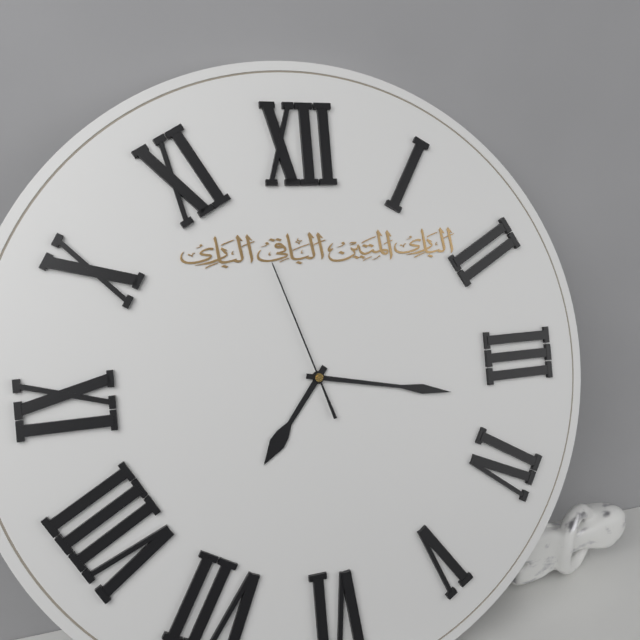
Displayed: 7h17m57s
